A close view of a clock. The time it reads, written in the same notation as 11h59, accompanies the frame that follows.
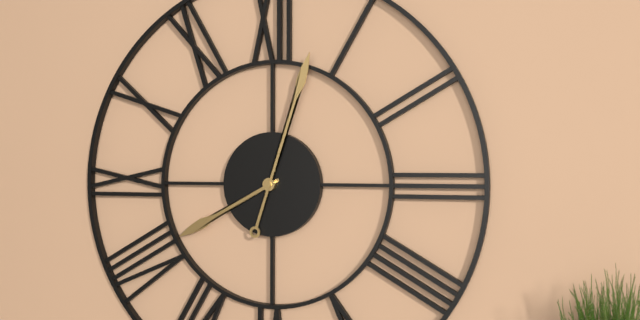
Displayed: 8h03
